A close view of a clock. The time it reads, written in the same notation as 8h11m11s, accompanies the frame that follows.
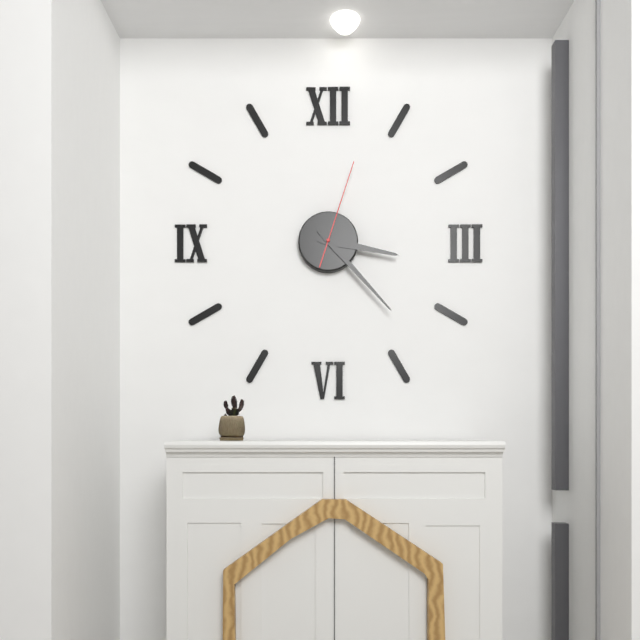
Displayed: 3h23m03s
